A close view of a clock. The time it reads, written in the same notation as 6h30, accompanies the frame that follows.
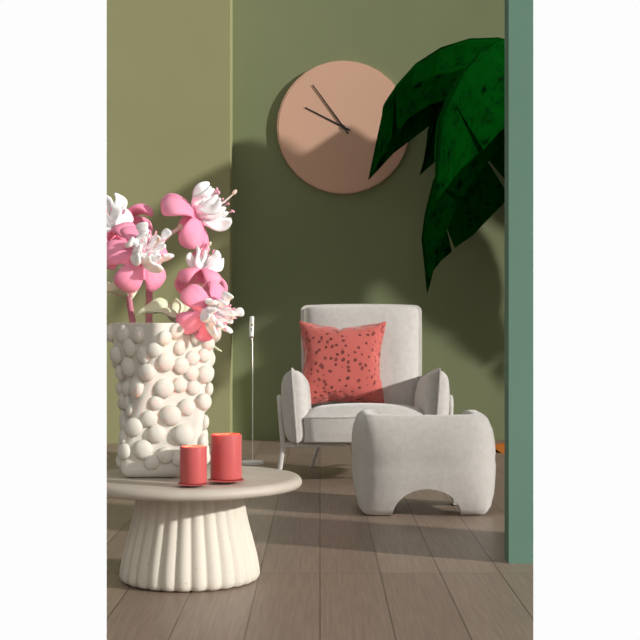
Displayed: 9h54
